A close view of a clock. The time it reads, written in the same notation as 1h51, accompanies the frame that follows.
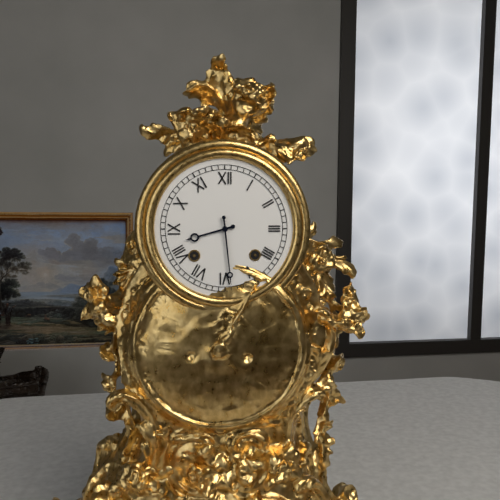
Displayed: 8h29
